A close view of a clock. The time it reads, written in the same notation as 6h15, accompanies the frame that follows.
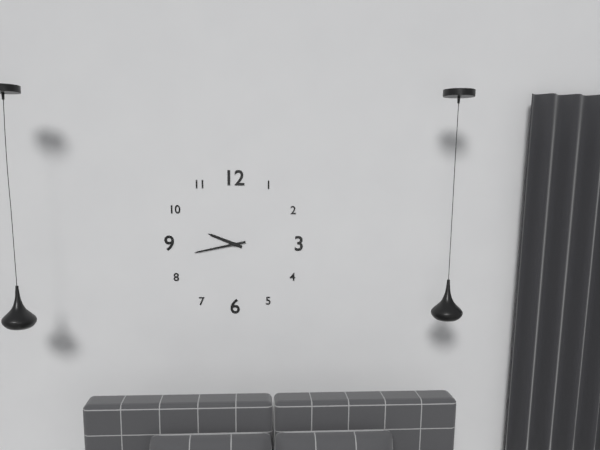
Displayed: 9h43
